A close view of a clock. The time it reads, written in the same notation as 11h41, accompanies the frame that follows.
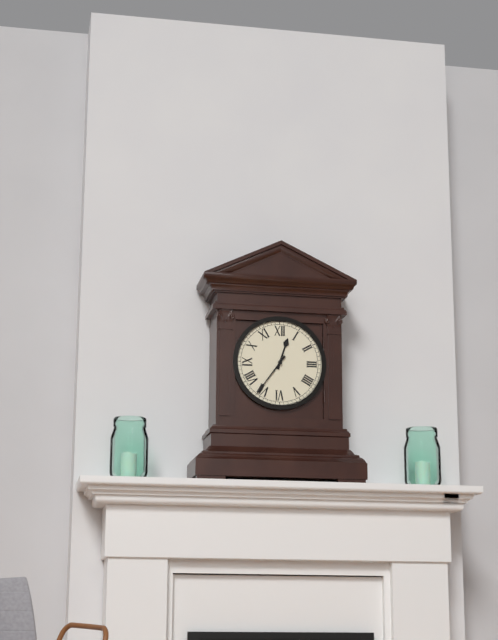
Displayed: 12h36
